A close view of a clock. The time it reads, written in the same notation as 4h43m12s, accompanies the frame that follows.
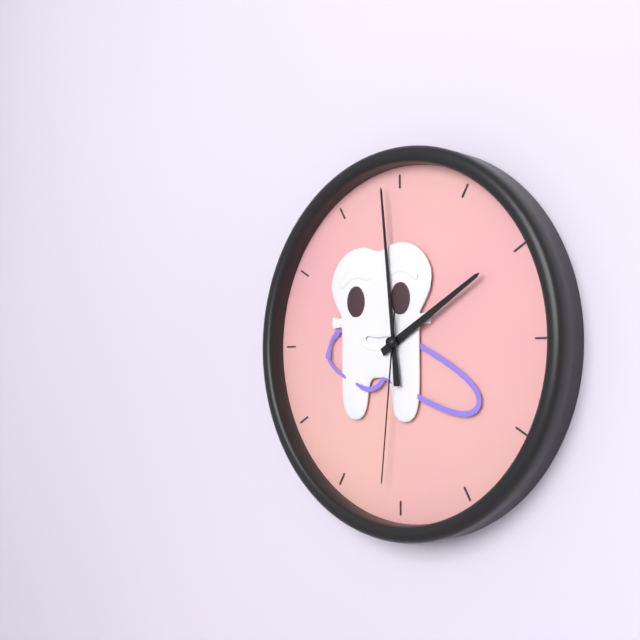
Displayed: 1h59m31s
